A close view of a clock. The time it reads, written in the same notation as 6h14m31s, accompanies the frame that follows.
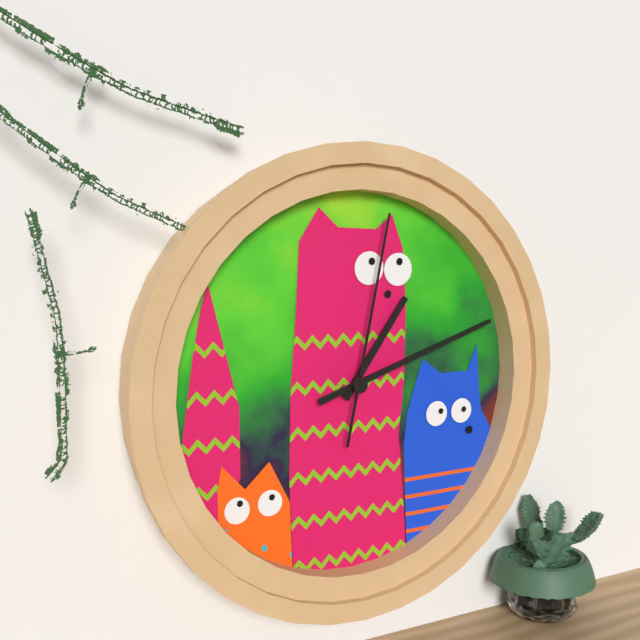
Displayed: 1h12m02s
